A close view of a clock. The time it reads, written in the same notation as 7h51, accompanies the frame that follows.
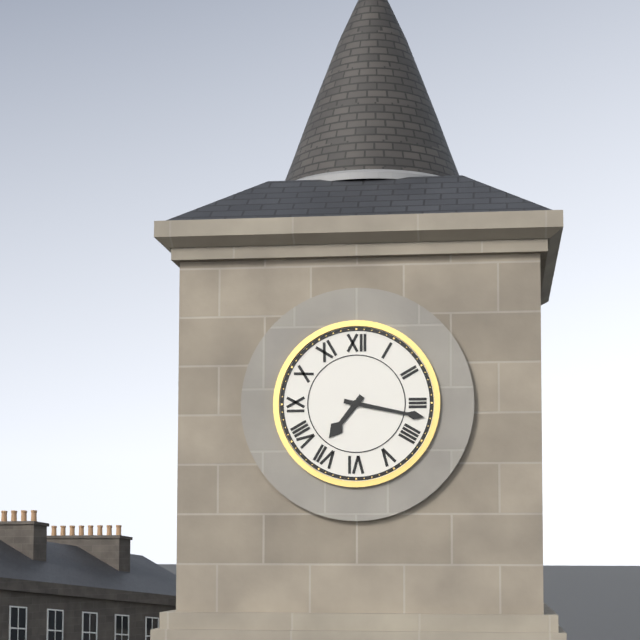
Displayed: 7h17
